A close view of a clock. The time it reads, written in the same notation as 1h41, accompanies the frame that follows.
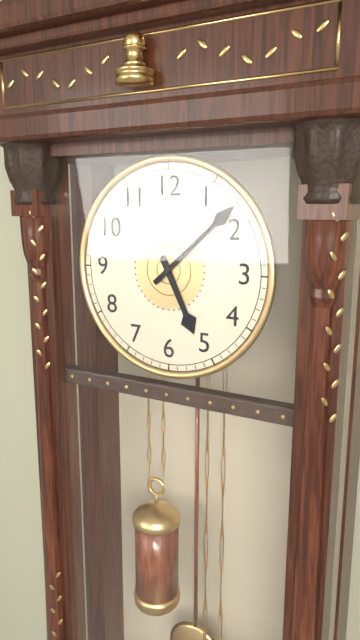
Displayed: 5h08
